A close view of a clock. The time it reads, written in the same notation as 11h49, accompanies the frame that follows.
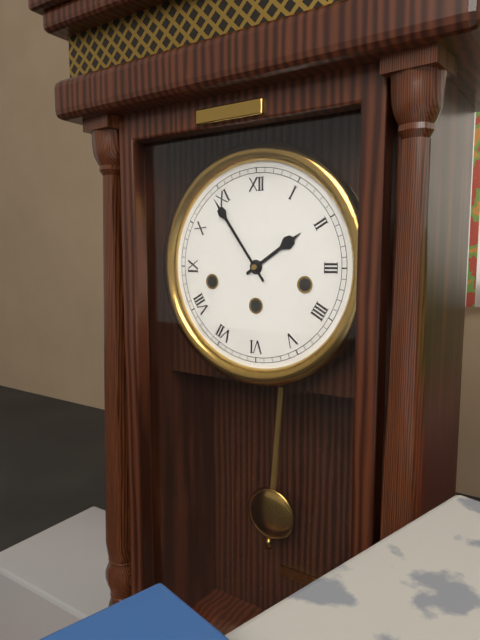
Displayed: 1h54
